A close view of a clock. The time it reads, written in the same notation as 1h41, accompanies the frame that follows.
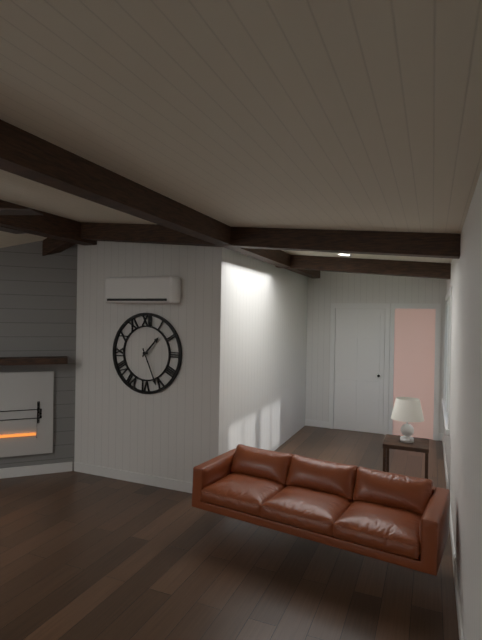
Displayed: 1h26
